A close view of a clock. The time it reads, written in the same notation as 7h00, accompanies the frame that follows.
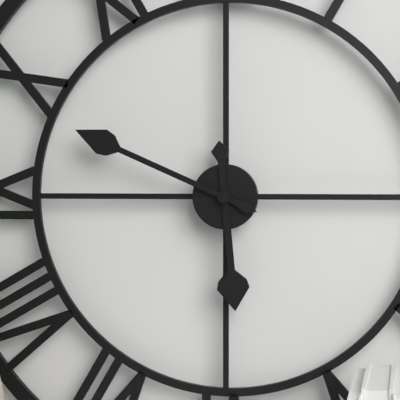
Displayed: 5h49
